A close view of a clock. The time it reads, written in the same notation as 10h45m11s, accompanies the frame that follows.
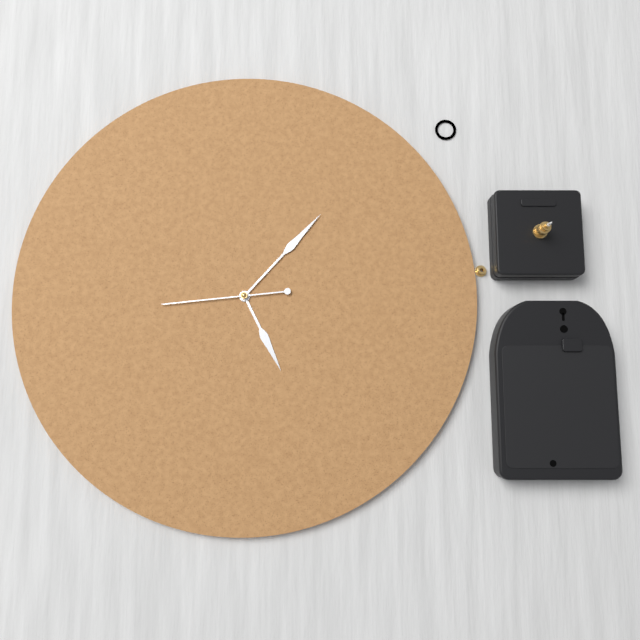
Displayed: 5h07m44s
